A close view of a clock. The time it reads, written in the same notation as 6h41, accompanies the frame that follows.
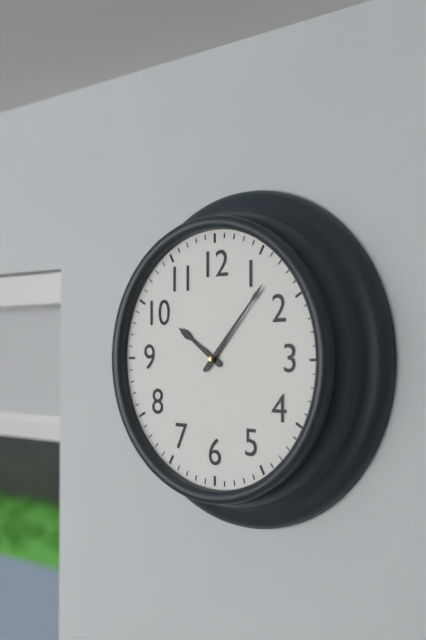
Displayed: 10h07
